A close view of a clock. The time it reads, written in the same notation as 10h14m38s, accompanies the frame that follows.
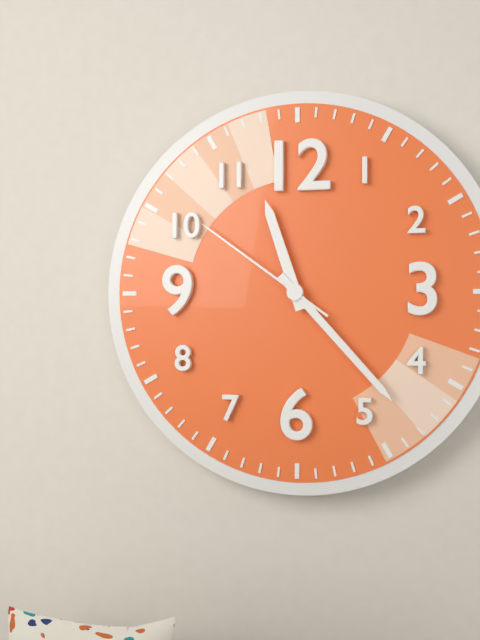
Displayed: 11h23m51s
